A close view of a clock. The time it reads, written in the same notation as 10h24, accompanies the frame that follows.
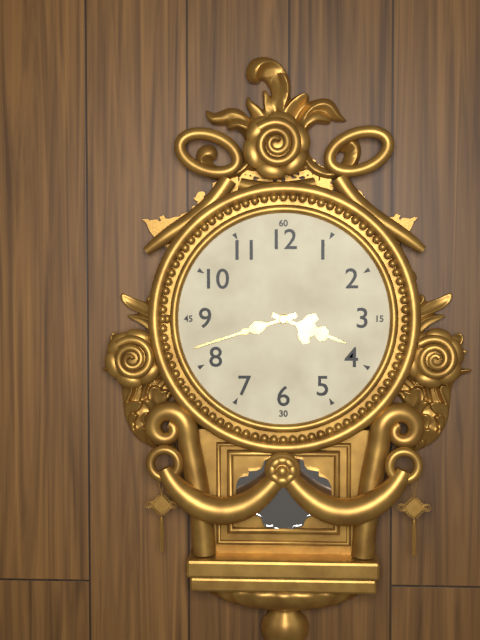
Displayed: 3h42
